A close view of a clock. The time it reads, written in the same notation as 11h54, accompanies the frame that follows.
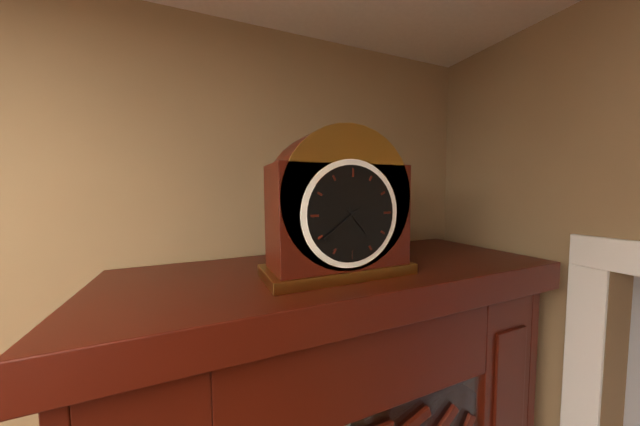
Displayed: 4h39
